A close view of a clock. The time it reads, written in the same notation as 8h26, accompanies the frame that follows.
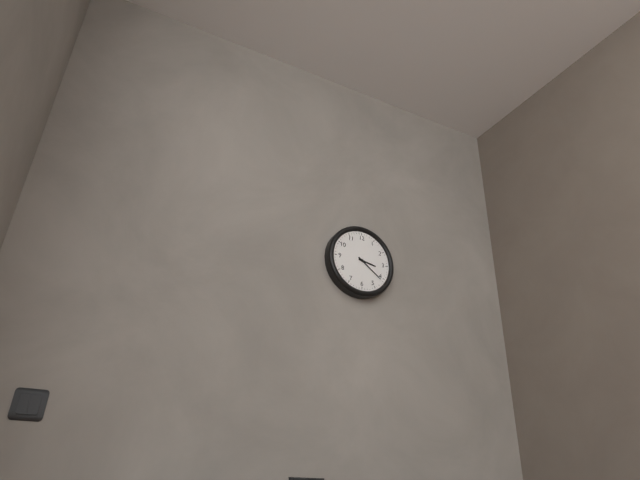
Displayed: 3h21
